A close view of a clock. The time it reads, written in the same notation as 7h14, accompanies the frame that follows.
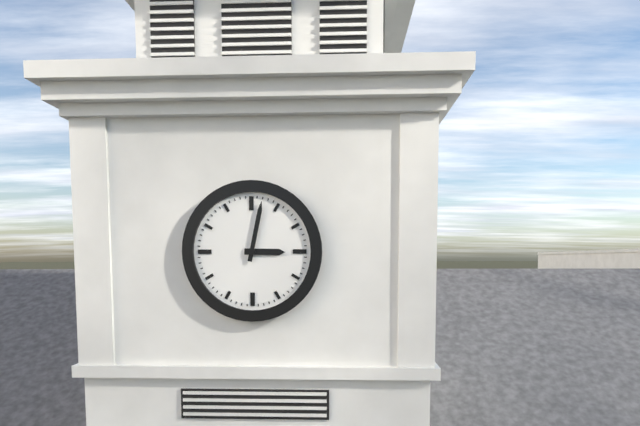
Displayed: 3h02
